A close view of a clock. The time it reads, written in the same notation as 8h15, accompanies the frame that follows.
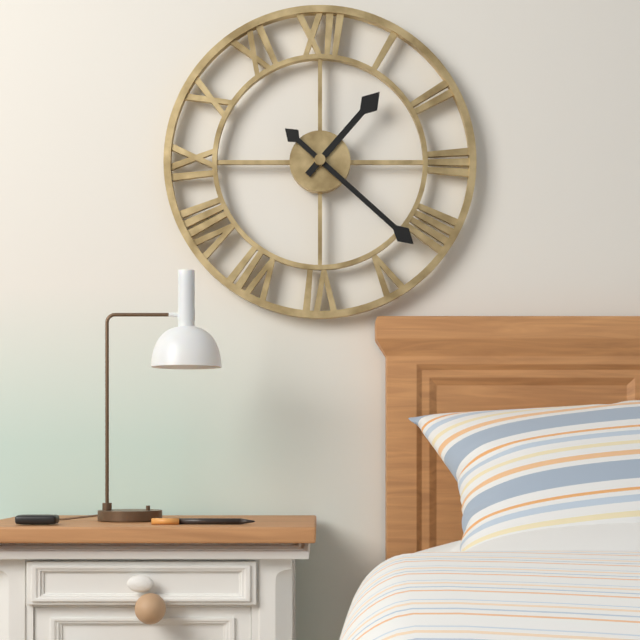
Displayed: 1h22
